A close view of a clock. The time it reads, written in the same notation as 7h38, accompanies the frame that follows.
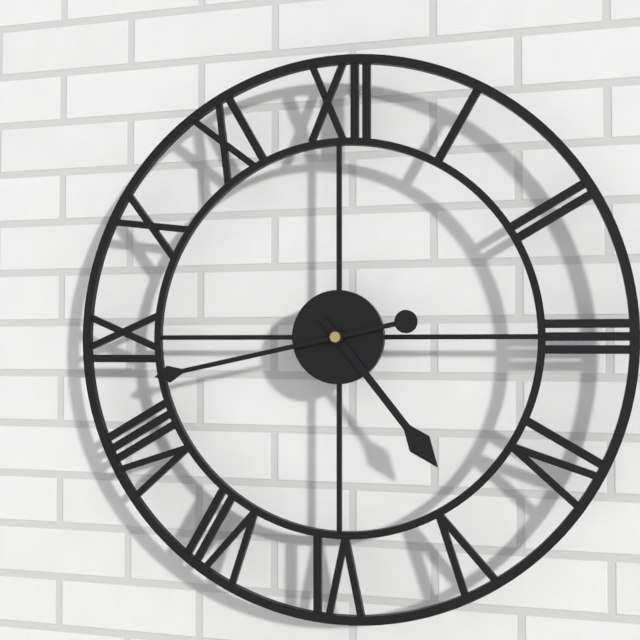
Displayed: 4h43
